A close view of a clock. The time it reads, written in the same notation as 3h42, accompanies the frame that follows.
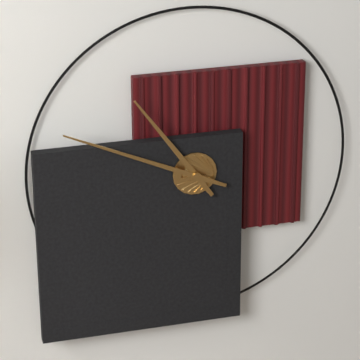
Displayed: 10h49
